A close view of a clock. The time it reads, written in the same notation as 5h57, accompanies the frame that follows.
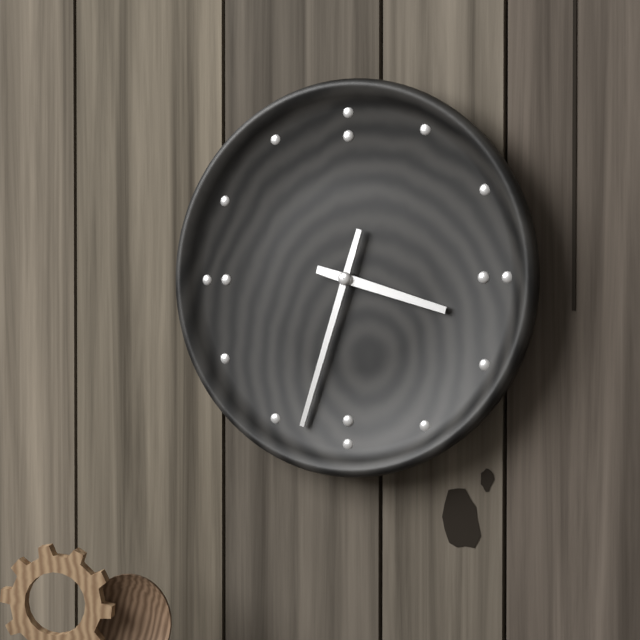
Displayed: 3h33
